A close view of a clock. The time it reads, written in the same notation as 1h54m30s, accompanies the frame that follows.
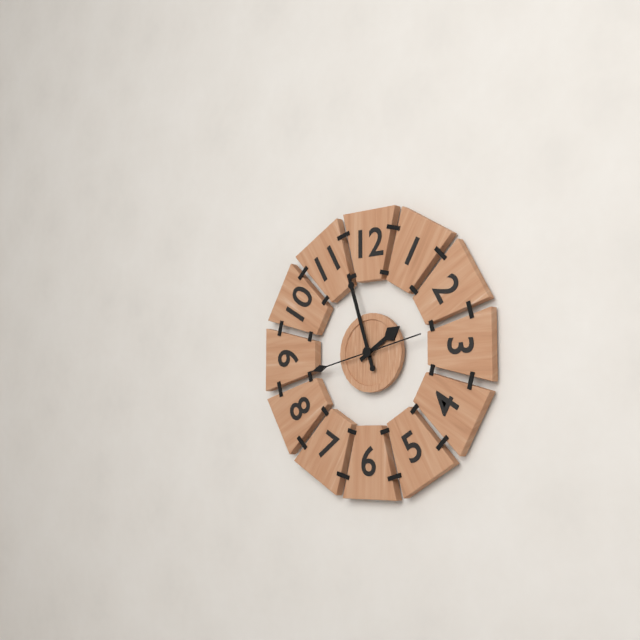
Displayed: 1h57m43s
